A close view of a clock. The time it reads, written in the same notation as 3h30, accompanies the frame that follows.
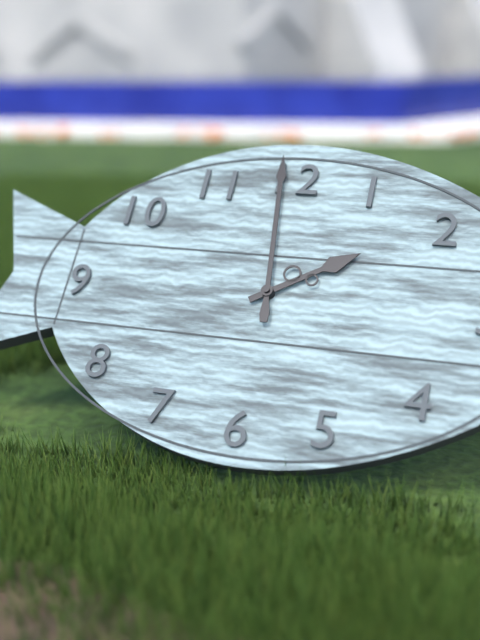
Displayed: 1h59
